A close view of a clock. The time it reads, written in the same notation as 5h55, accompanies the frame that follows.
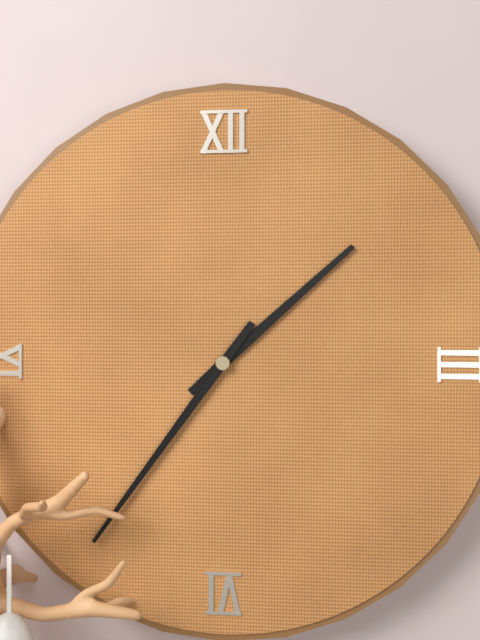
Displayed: 1h36
